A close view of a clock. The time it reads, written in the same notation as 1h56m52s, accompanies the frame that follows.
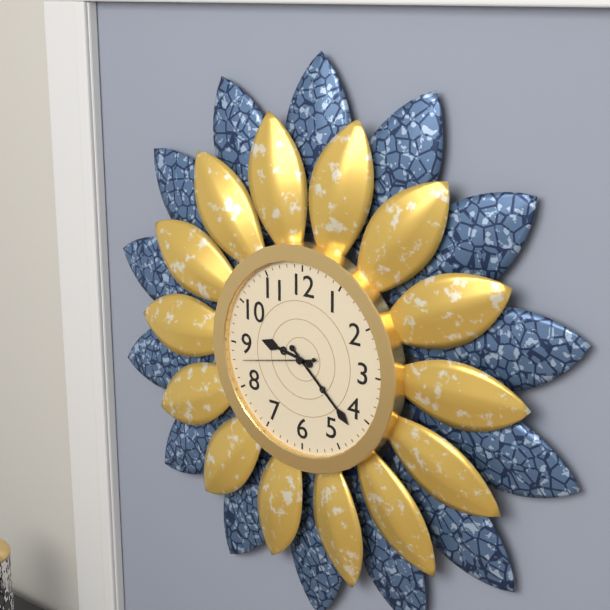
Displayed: 9h22m43s
